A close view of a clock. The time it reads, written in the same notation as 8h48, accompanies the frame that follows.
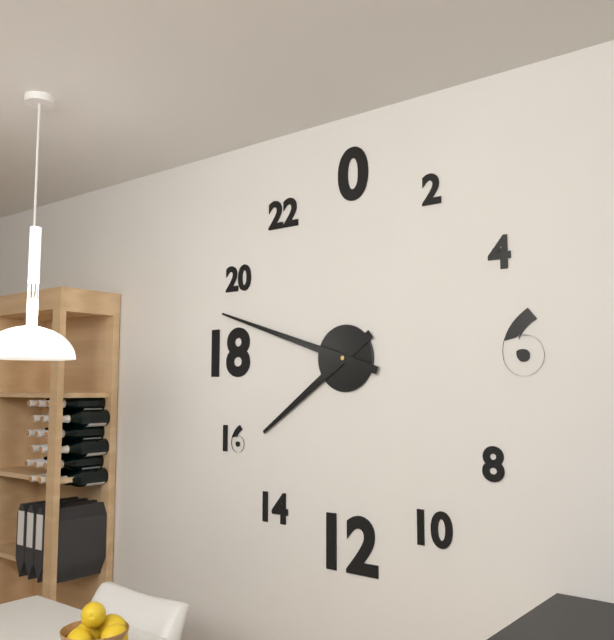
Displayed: 7h48
